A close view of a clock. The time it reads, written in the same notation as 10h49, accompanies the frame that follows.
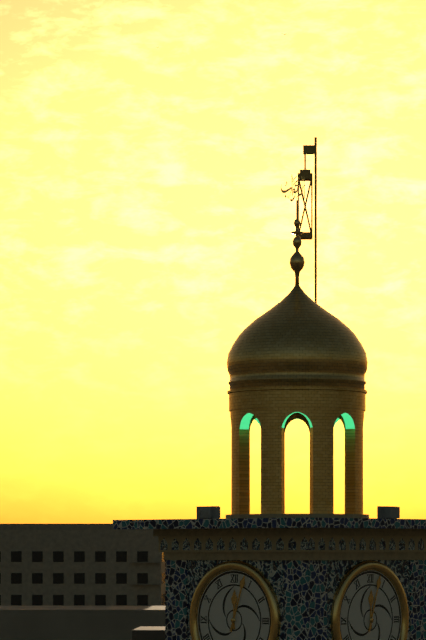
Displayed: 12h03
